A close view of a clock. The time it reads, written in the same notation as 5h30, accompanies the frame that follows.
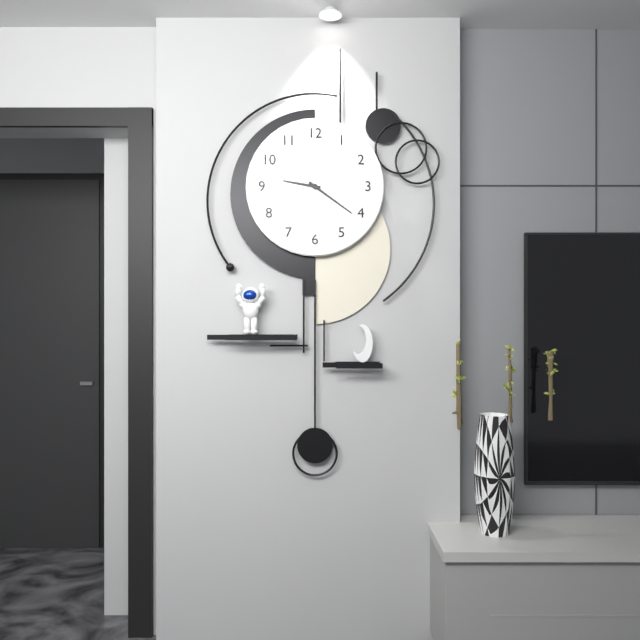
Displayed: 9h21
